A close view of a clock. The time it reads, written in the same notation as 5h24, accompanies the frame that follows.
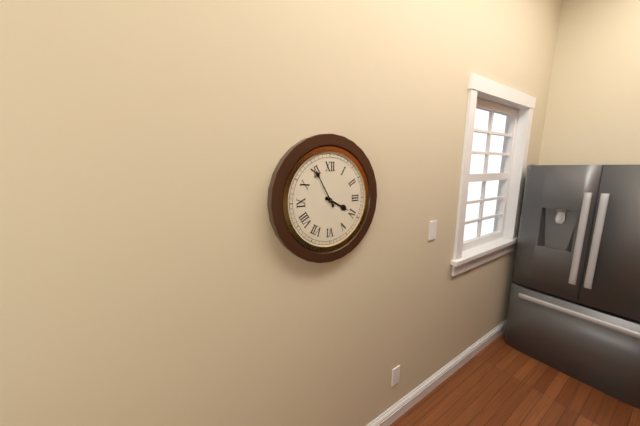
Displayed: 3h55
